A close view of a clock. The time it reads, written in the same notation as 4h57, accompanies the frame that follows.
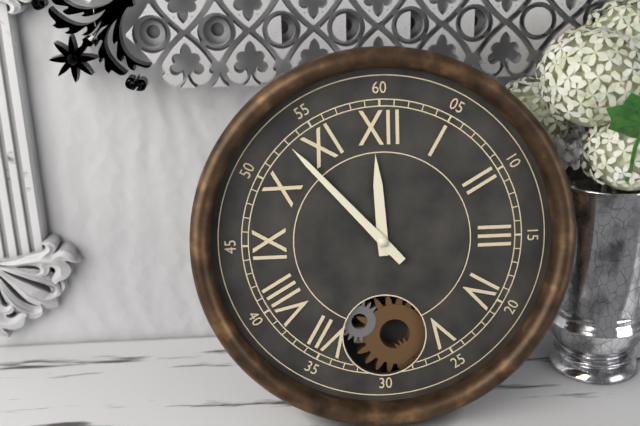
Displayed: 11h53
